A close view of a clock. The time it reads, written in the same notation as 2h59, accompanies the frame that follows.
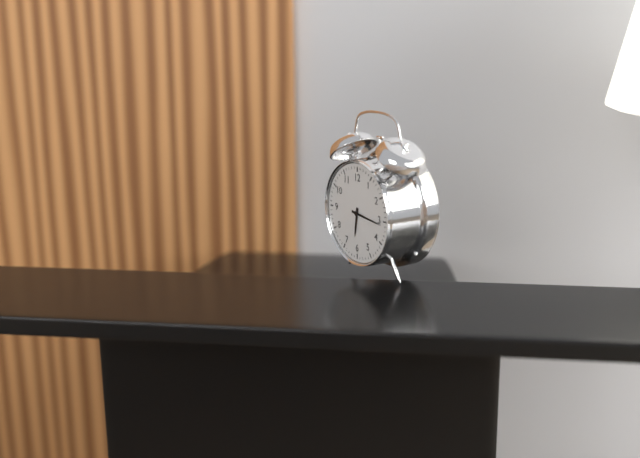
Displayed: 6h16
